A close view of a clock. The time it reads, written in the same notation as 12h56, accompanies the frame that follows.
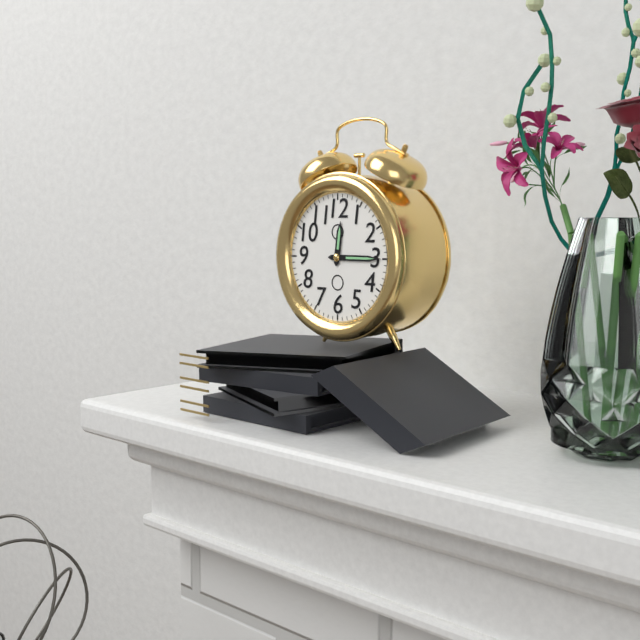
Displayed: 12h15
